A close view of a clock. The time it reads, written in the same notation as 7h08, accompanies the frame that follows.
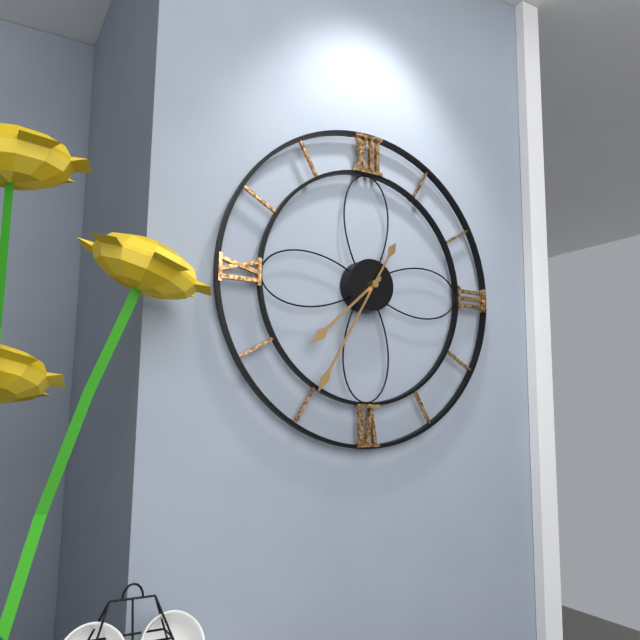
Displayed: 7h35
